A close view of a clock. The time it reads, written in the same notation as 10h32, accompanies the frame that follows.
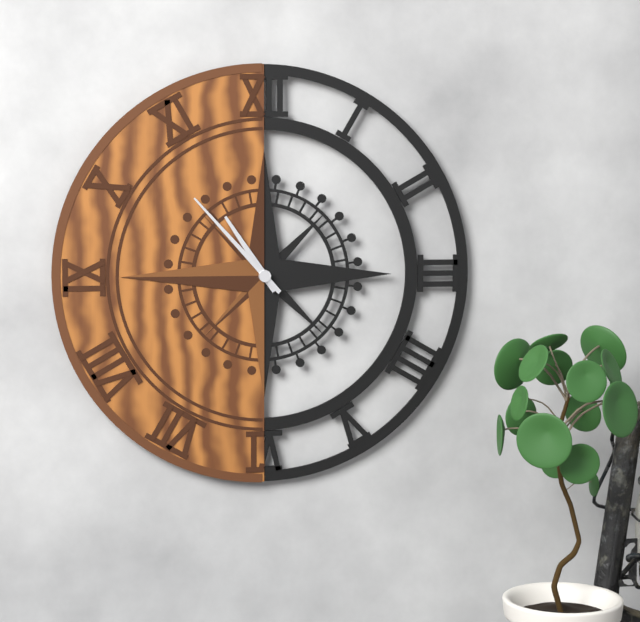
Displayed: 10h53
